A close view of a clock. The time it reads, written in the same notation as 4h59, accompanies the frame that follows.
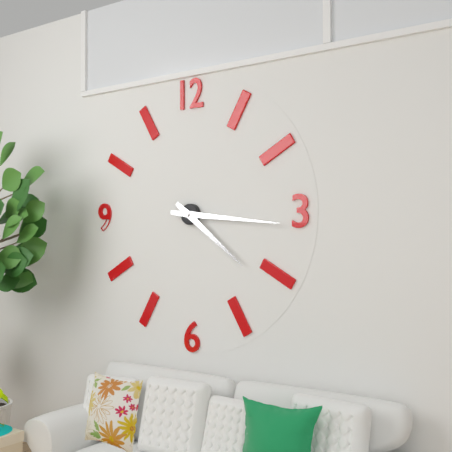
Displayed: 4h16
